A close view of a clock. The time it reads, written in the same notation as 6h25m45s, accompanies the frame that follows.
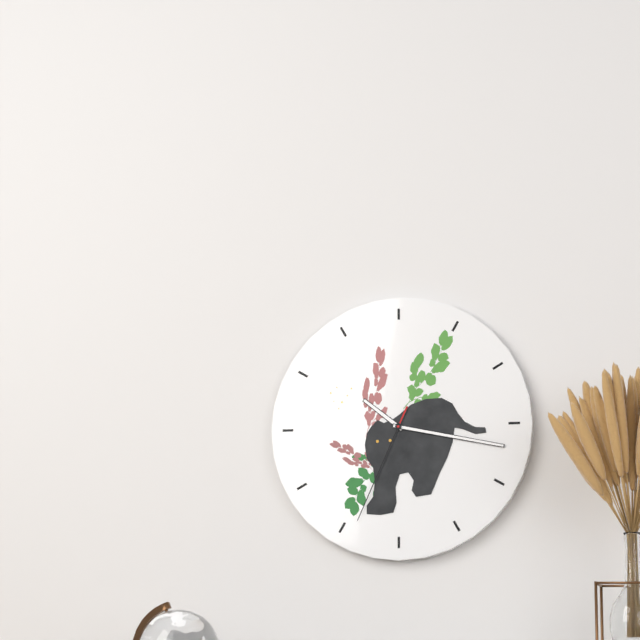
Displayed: 10h17m34s
